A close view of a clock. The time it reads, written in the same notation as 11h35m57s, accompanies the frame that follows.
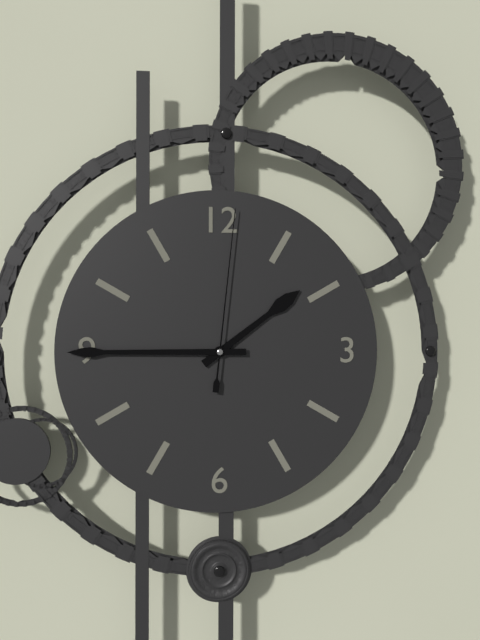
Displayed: 1h45m01s
